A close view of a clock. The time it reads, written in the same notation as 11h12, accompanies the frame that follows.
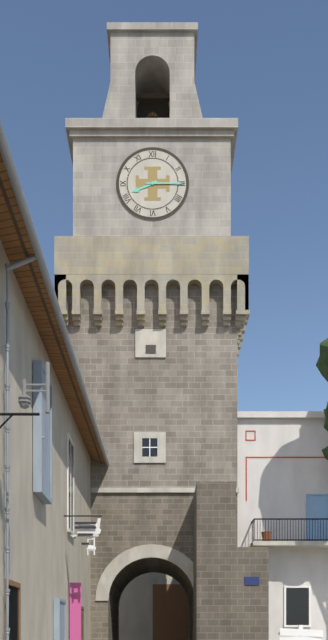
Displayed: 8h15
